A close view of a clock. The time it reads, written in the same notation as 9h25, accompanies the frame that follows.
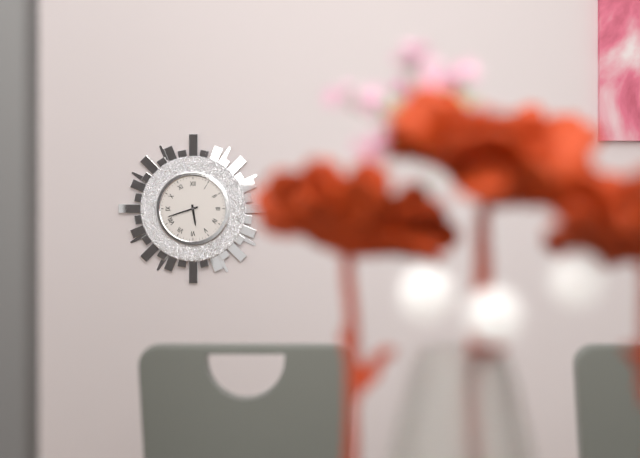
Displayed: 5h42
